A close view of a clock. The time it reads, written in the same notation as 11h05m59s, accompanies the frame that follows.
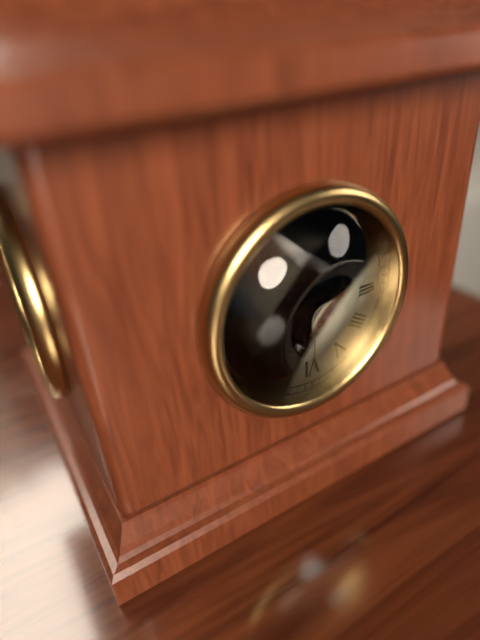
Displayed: 1h35m30s
